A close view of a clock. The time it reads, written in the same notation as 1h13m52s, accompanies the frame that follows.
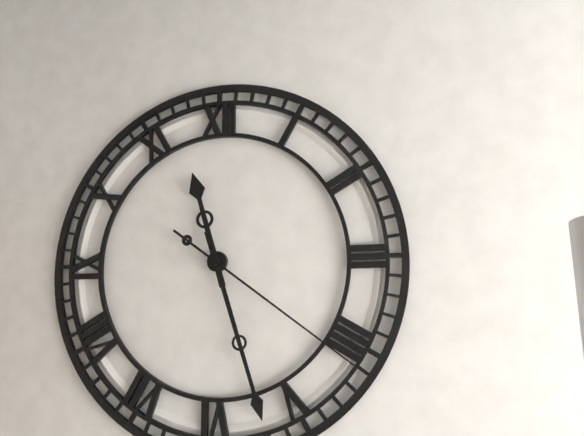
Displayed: 11h27m21s
